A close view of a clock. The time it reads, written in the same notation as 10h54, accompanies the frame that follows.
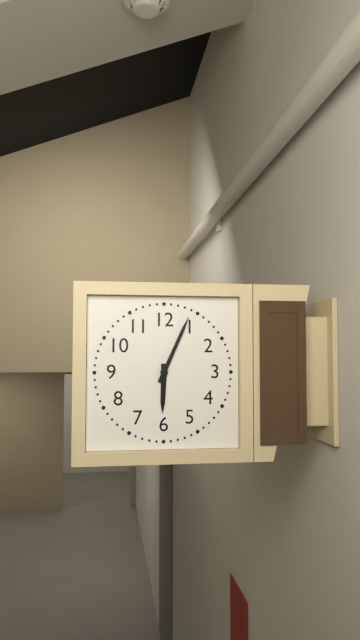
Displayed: 6h04
